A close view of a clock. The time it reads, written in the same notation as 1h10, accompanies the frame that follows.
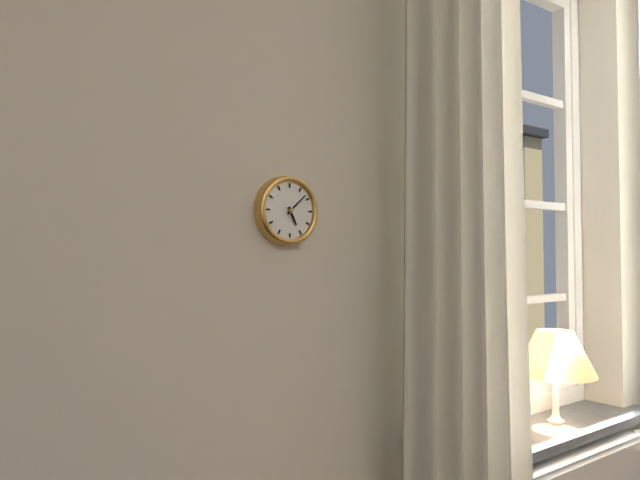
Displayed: 5h08
